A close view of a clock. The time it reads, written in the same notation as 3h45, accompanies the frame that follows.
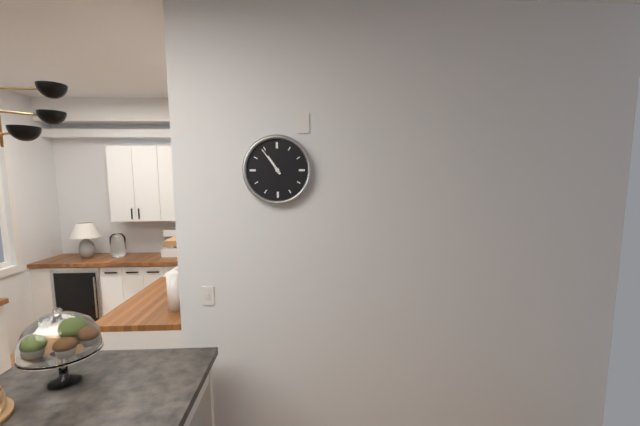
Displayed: 10h54
